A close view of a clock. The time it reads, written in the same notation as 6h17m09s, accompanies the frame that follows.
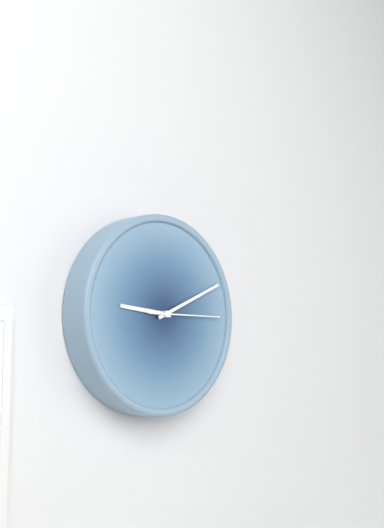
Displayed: 9h11m15s
